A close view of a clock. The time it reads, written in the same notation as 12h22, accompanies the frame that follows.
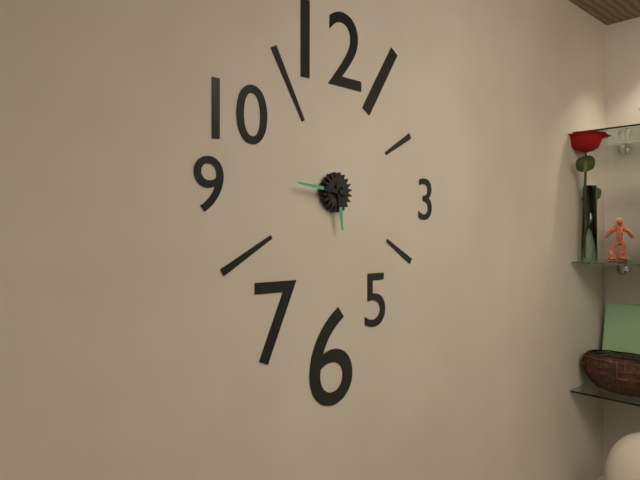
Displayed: 5h46
